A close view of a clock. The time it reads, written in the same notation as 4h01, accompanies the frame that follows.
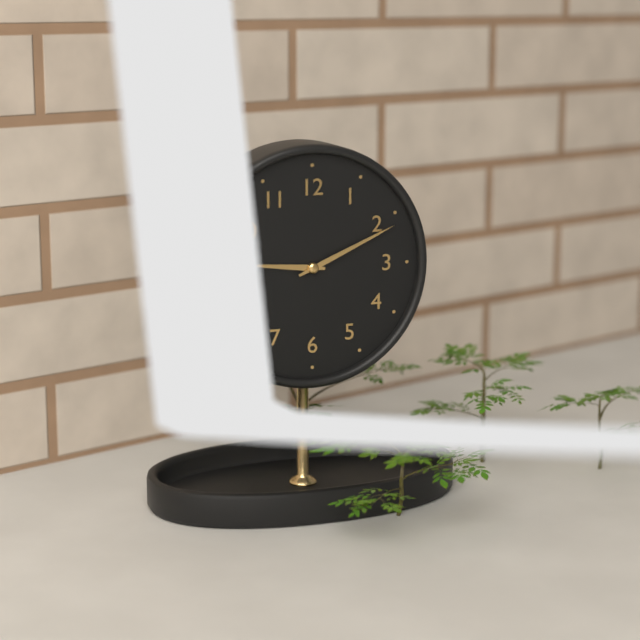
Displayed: 9h11
